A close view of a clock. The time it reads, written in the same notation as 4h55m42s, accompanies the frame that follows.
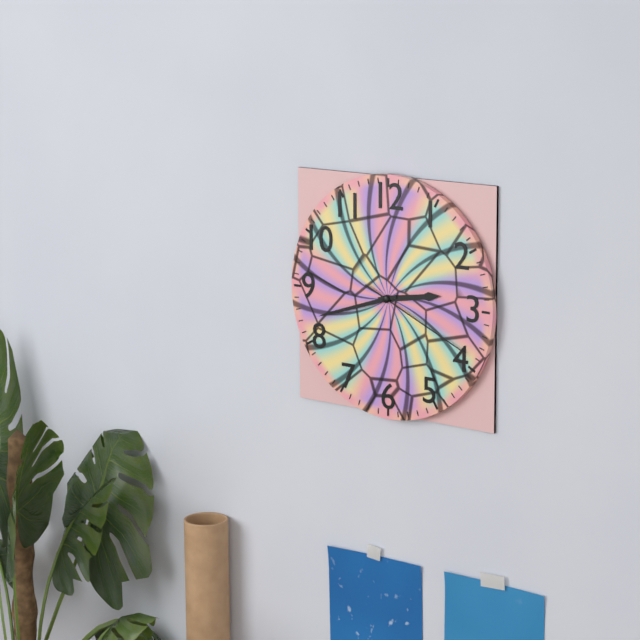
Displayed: 2h42m19s
